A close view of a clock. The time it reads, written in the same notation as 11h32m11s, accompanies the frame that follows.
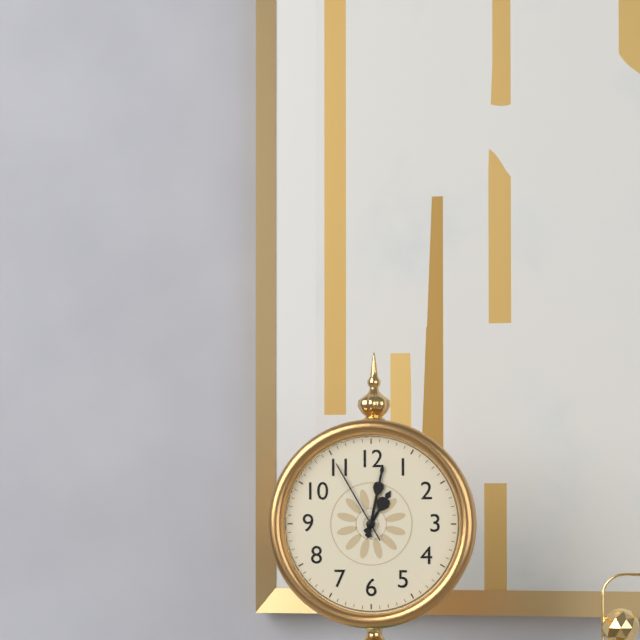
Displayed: 1h02m55s
